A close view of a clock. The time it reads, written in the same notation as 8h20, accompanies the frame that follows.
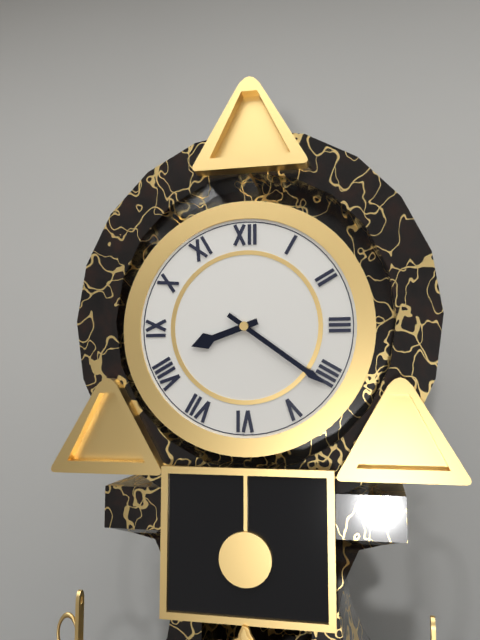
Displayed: 8h21
